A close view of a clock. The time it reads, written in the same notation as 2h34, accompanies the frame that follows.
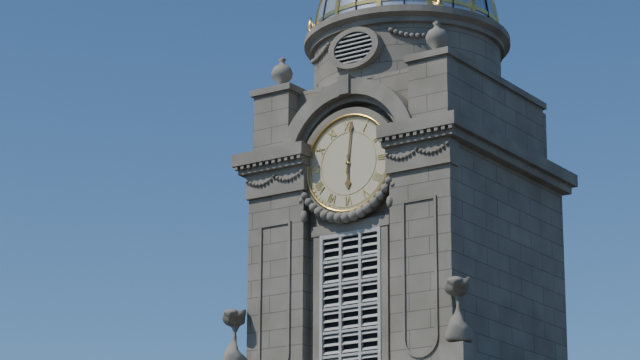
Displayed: 6h01
